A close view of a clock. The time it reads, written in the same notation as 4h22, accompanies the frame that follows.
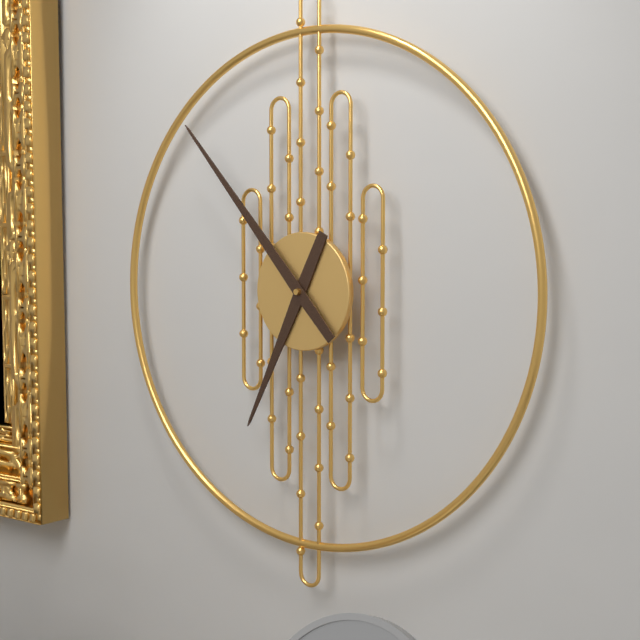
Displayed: 6h53
